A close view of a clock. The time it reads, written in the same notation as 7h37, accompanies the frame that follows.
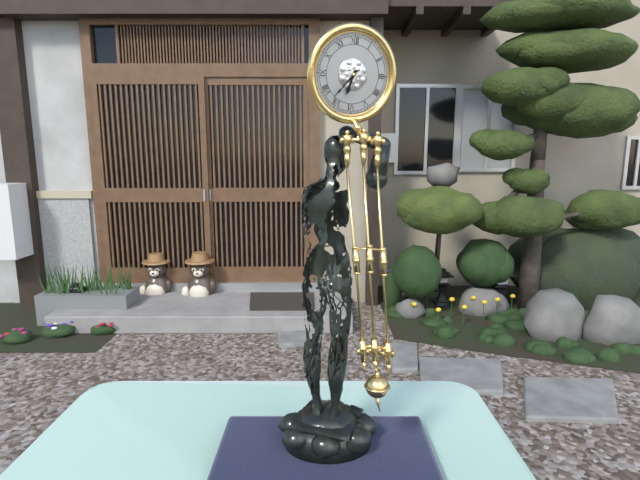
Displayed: 6h37
